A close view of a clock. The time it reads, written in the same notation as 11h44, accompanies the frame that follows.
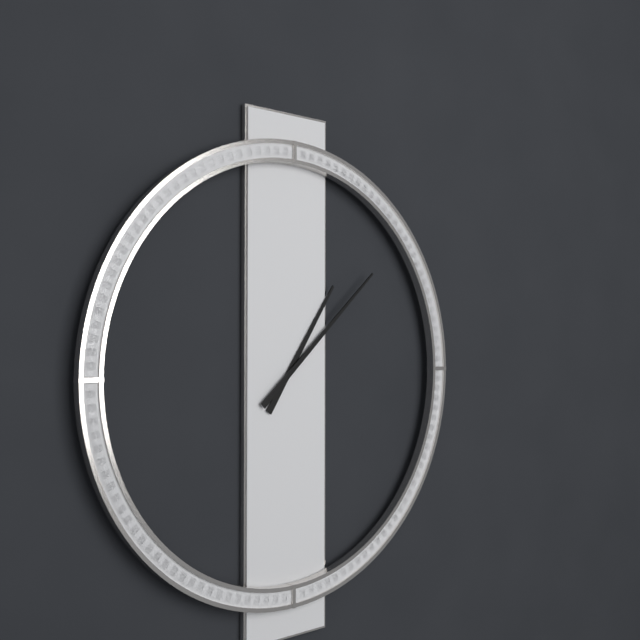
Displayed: 1h08
